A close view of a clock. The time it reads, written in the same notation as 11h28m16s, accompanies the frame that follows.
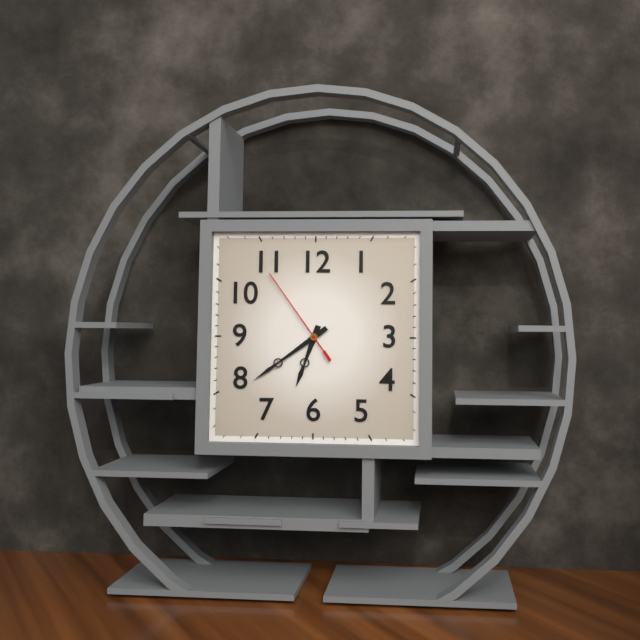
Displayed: 6h39m54s
